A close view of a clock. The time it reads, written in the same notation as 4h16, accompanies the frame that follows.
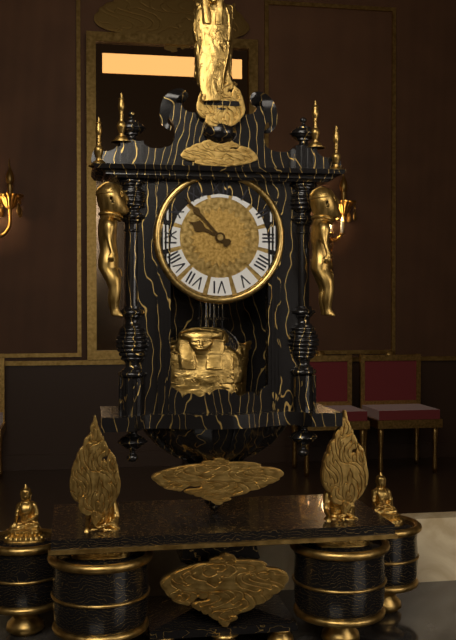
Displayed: 9h53
